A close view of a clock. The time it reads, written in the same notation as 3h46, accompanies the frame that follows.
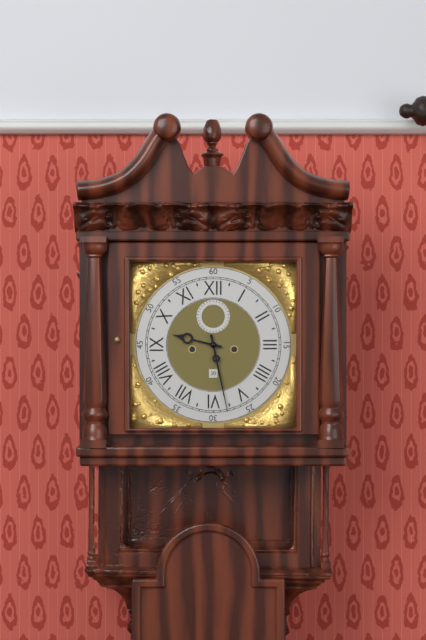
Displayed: 9h28
